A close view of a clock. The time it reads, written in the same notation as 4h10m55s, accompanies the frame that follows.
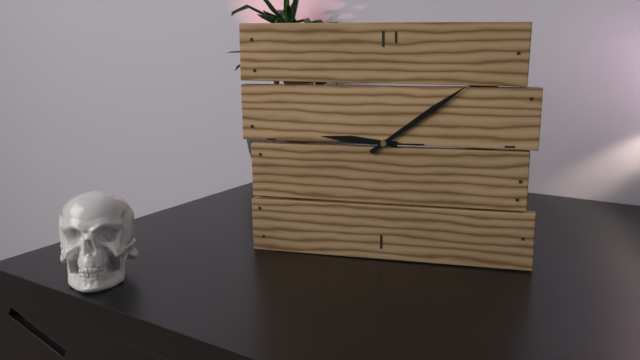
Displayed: 9h09m45s
